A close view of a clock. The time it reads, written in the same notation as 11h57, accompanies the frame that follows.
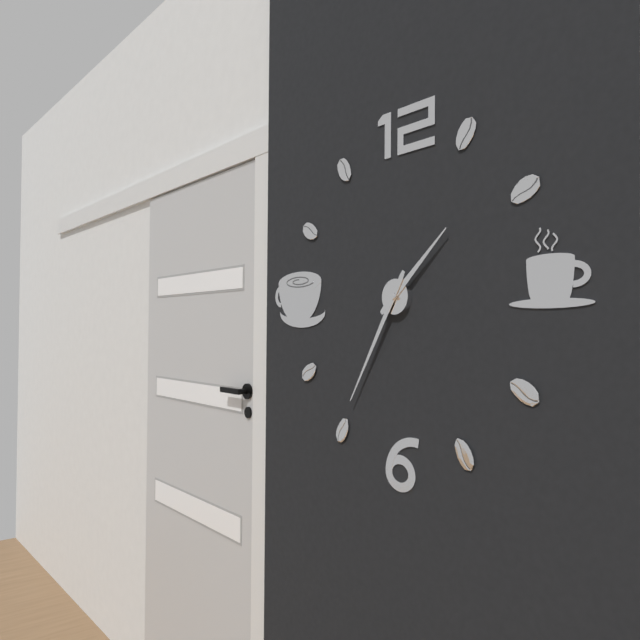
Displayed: 1h35
